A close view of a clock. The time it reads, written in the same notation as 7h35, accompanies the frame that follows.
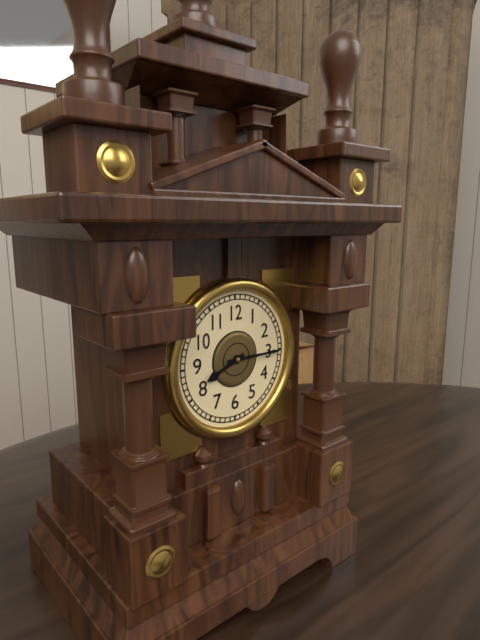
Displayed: 8h15
